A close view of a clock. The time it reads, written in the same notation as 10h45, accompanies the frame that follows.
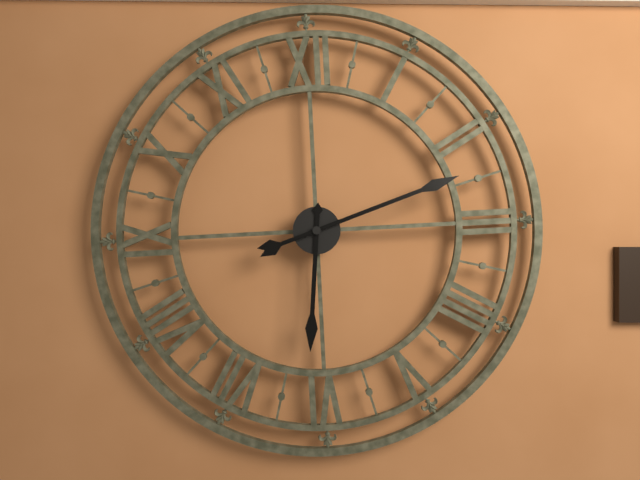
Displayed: 6h12
